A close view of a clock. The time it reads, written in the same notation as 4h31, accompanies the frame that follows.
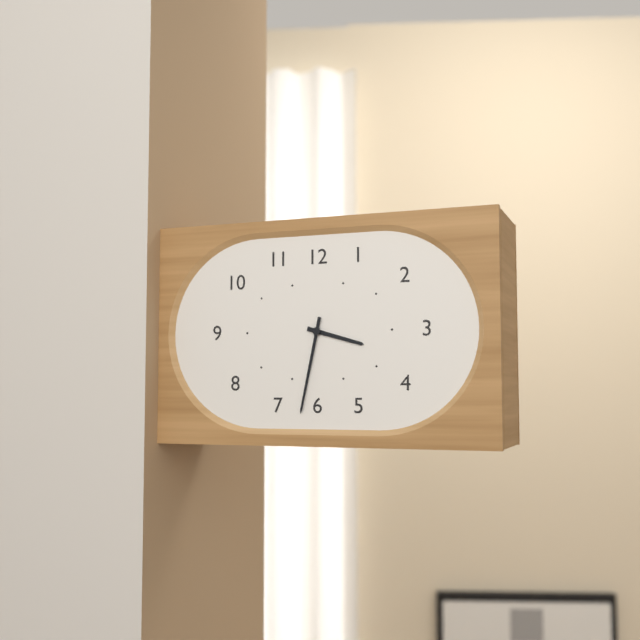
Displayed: 3h32
